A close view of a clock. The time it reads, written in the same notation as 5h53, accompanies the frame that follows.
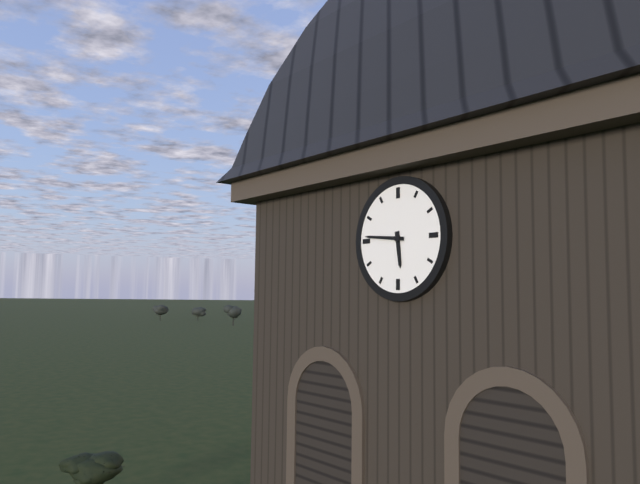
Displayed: 5h46
